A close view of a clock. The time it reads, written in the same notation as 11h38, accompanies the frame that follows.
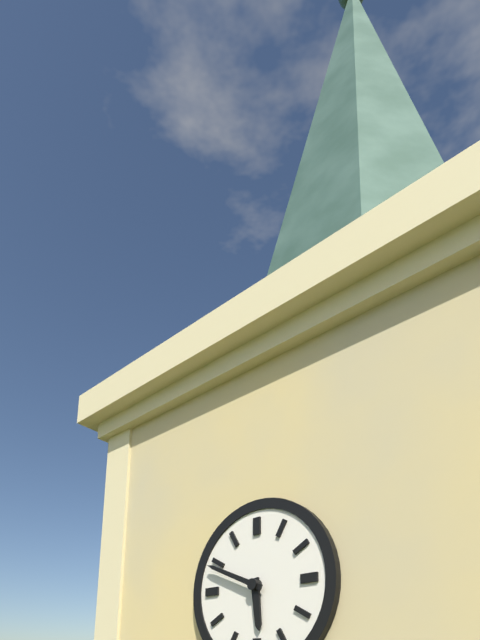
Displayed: 5h49
